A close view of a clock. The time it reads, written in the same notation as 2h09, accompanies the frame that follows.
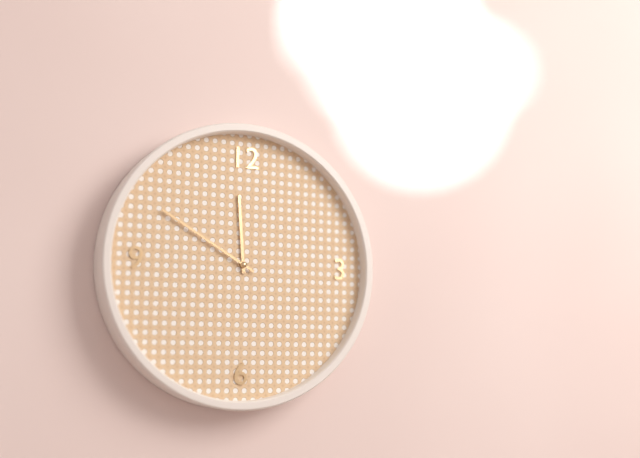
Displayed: 11h50
